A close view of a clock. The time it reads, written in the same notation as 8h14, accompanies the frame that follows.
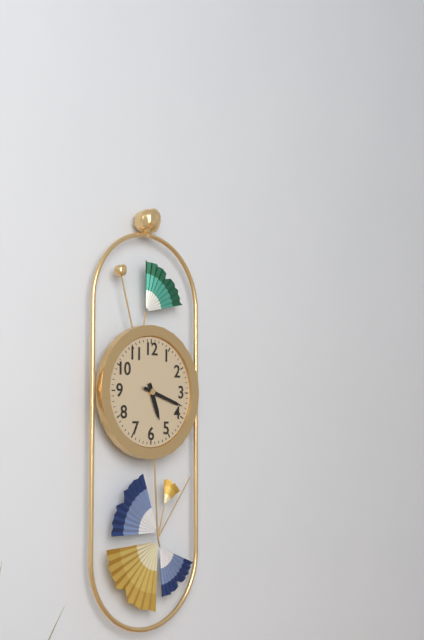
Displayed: 5h18
